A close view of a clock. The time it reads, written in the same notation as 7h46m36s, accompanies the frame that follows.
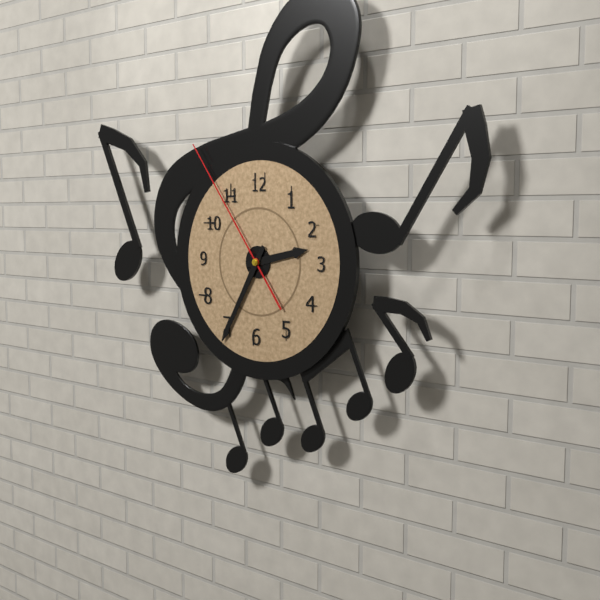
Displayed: 2h35m54s
